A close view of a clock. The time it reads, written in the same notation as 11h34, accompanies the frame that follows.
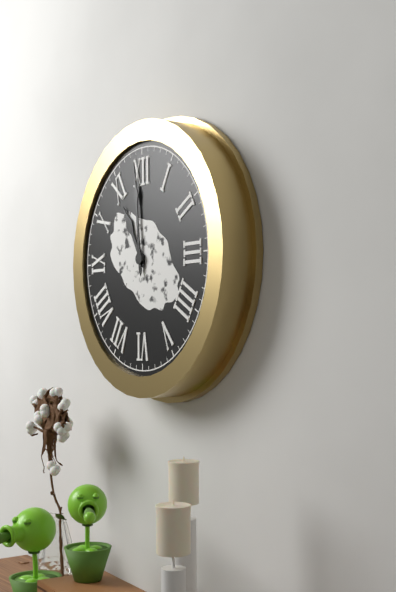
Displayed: 10h59
